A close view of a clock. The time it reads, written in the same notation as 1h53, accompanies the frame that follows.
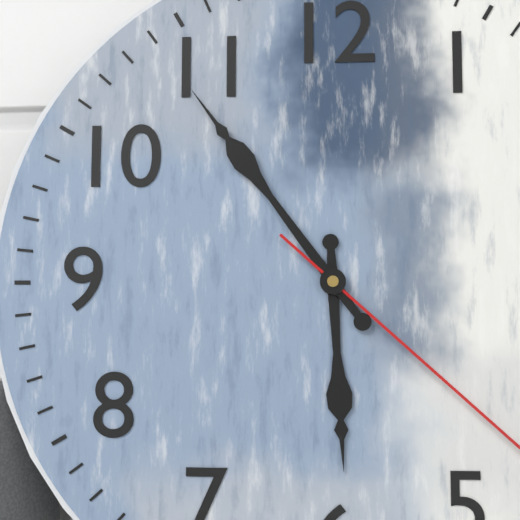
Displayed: 5h54
